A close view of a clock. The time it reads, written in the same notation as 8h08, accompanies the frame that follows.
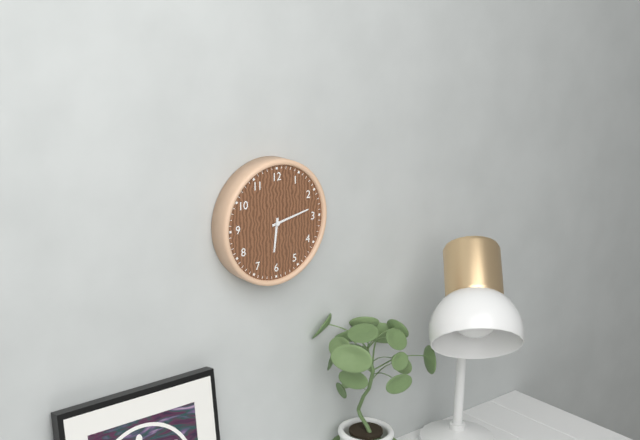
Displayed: 6h13
